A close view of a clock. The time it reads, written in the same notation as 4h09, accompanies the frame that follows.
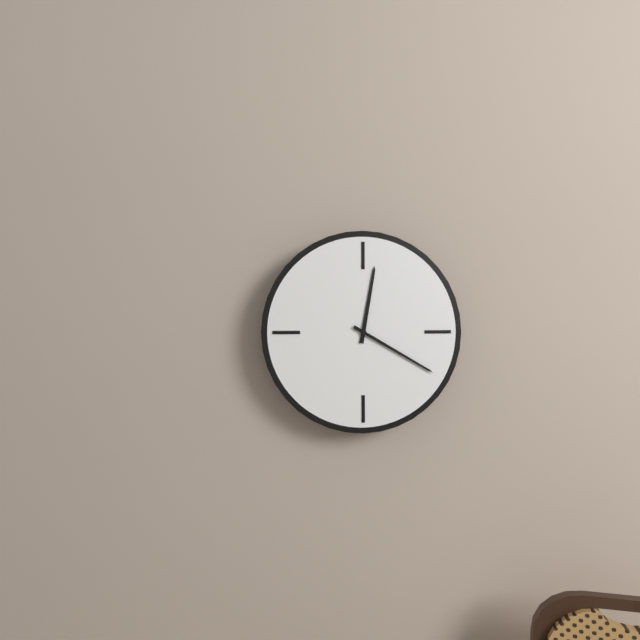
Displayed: 12h20
